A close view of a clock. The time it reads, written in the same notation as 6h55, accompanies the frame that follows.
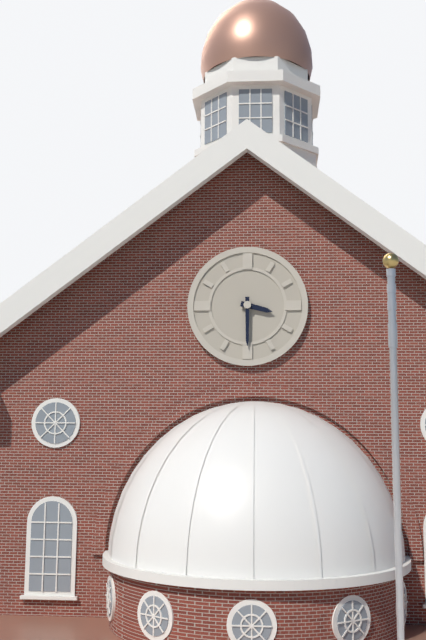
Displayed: 3h30
